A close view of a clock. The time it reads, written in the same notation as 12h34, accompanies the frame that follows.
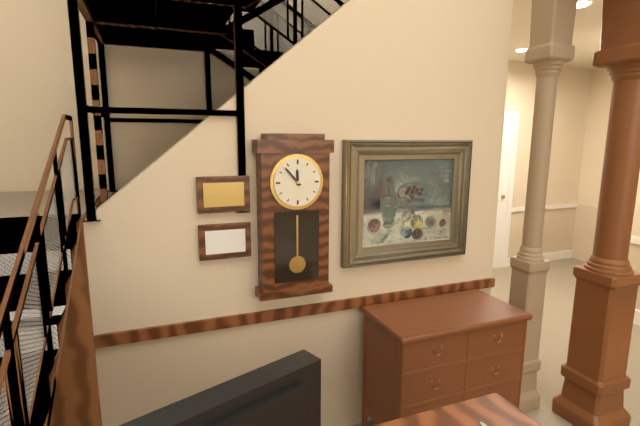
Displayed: 11h53
